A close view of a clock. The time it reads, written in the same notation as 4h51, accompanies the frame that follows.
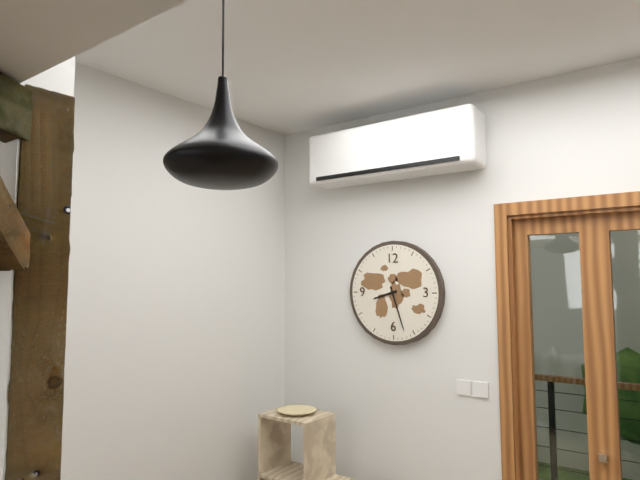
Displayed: 8h27
